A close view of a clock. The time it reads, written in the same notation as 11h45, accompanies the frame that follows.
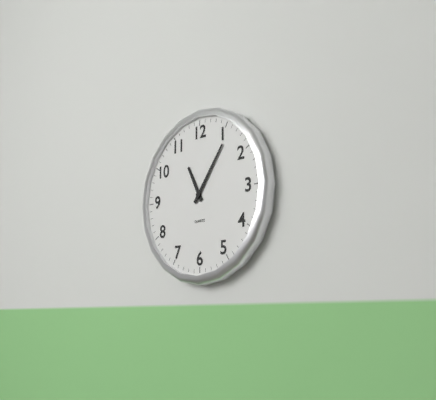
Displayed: 11h06
